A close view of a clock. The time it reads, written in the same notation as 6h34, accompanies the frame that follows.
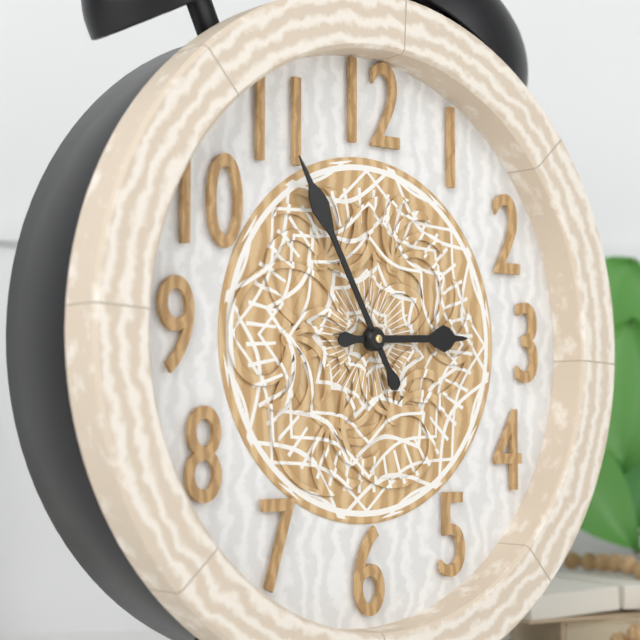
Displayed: 2h55
